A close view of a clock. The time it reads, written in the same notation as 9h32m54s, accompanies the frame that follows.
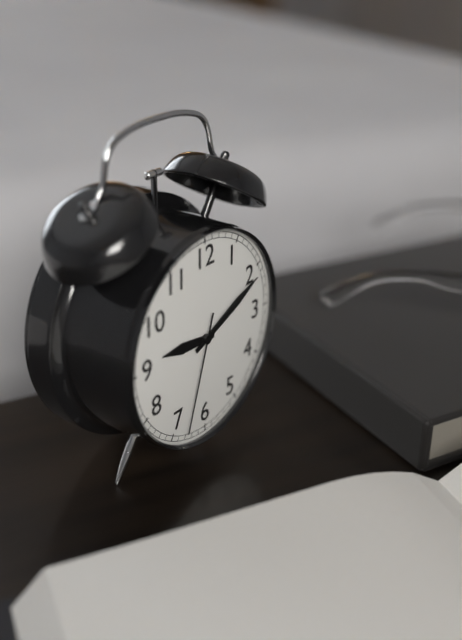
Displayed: 9h11m33s
